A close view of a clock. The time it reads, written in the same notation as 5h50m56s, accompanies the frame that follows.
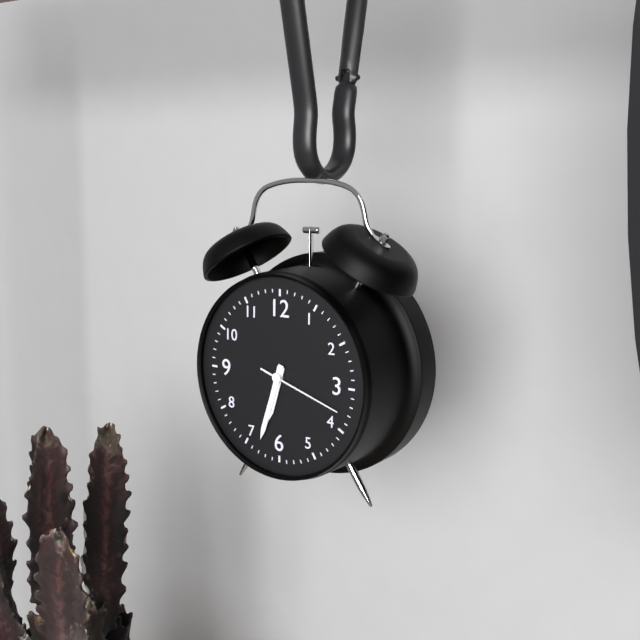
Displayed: 6h33m18s
